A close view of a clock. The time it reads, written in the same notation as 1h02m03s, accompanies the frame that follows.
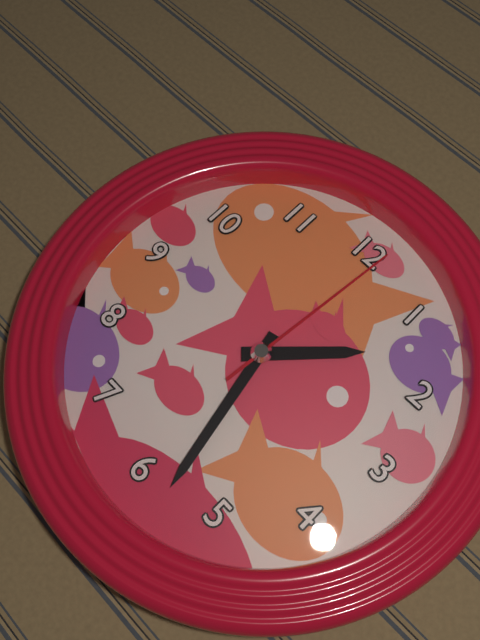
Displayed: 1h28m01s
